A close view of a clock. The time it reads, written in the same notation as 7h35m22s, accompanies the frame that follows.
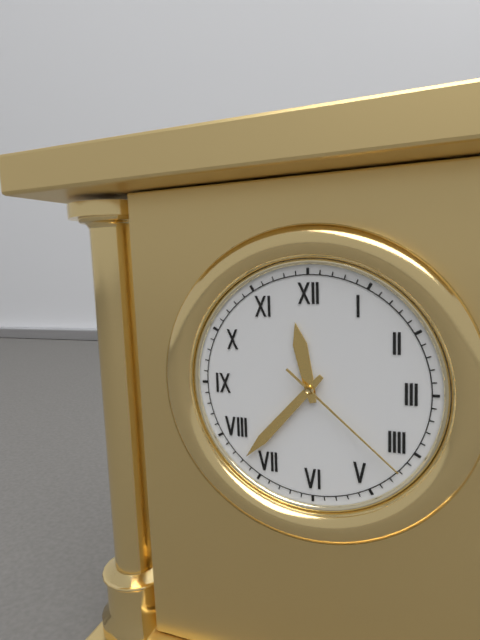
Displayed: 11h37m22s
